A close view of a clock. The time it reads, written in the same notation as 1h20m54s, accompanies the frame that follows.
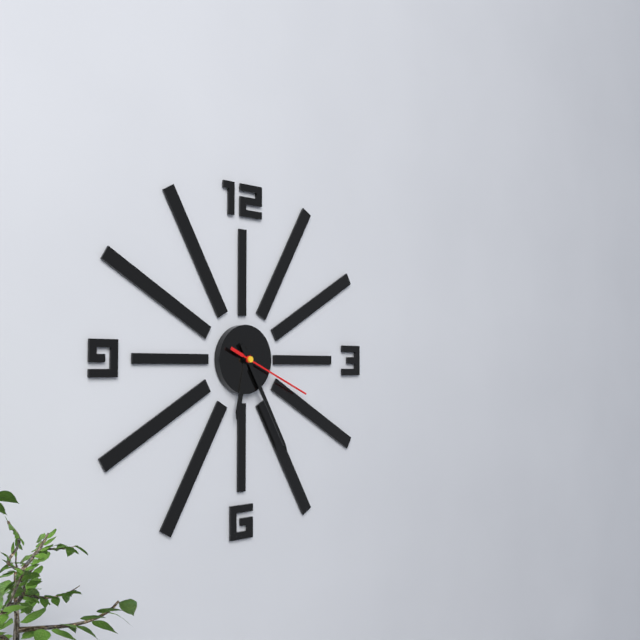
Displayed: 6h25m19s
